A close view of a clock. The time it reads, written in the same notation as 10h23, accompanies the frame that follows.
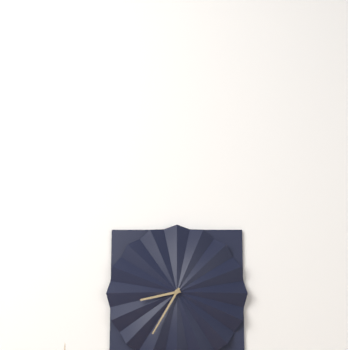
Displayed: 8h35
